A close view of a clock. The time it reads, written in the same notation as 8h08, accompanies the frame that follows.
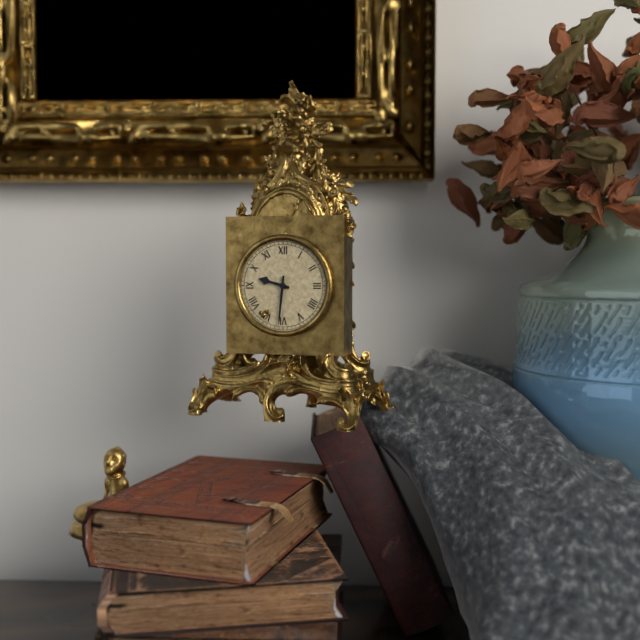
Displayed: 9h31
